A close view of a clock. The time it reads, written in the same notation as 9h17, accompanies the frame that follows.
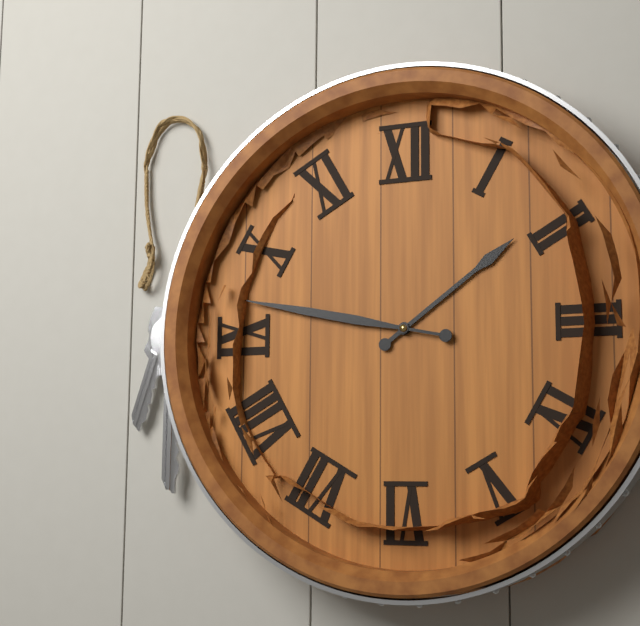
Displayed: 1h47
